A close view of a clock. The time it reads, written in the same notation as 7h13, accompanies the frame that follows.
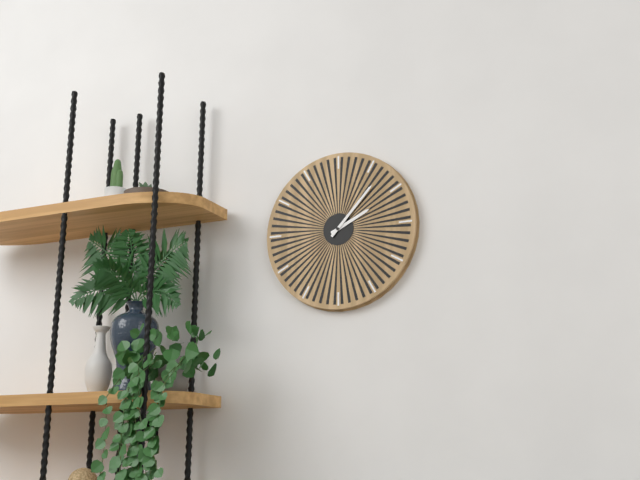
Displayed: 2h07
